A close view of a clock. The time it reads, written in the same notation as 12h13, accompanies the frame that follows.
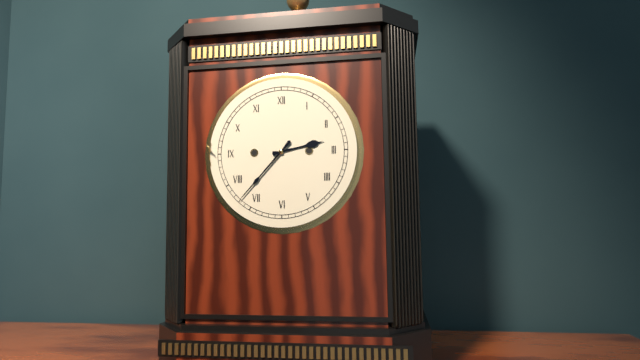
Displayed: 2h37
